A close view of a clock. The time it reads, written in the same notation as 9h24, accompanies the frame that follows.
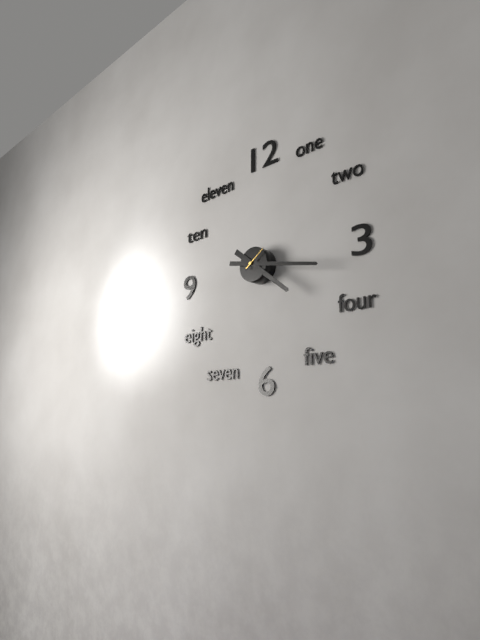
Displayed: 4h17
